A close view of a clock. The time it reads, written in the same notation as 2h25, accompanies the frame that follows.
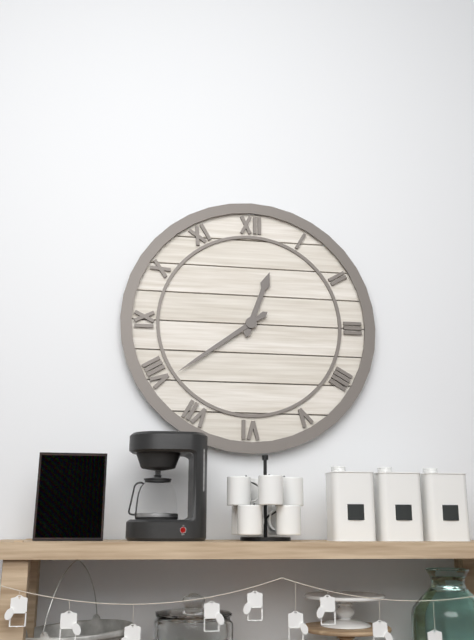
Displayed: 12h39
